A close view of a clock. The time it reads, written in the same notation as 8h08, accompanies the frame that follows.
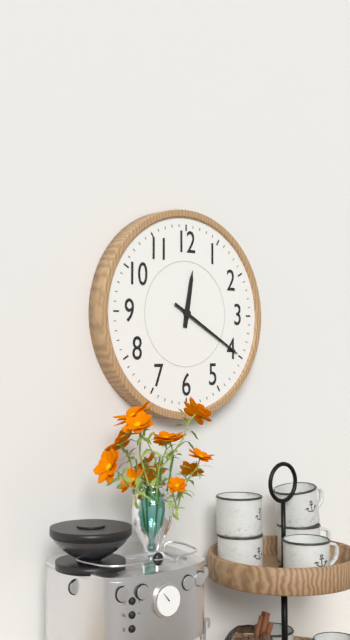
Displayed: 12h20
